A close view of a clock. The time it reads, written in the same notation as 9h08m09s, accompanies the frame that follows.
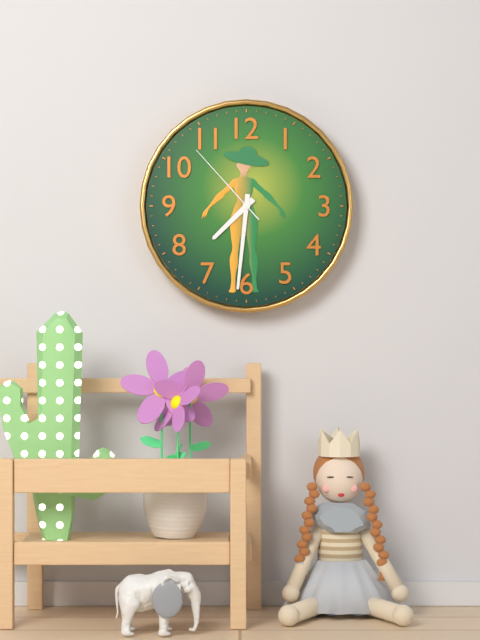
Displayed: 7h31m53s
